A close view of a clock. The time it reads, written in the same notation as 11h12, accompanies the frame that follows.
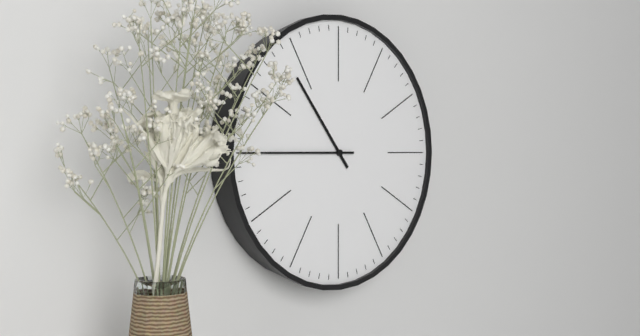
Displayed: 10h45
